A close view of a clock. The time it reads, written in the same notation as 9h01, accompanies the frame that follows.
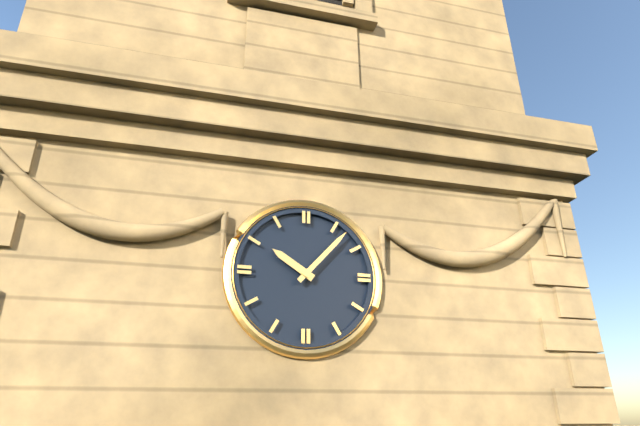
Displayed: 10h07
